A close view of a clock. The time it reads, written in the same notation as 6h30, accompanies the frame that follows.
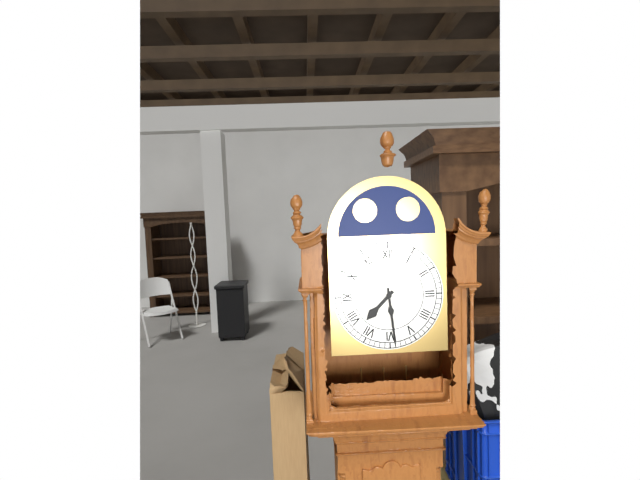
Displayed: 7h29
